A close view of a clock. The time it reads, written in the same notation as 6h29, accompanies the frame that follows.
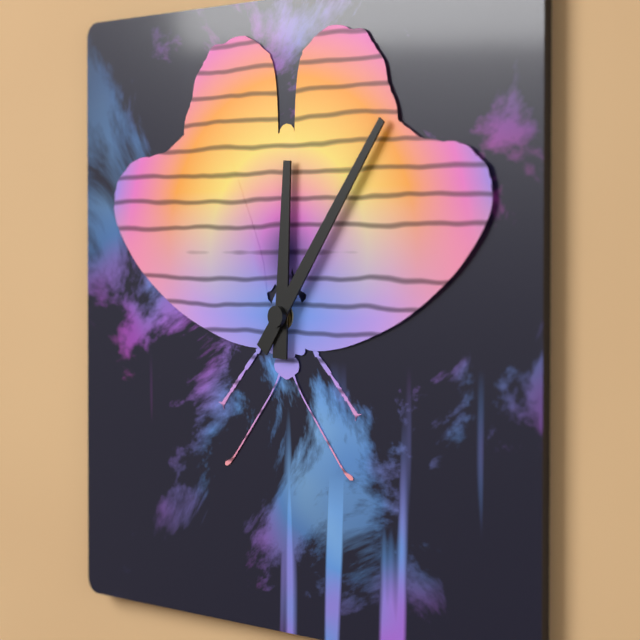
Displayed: 12h06
